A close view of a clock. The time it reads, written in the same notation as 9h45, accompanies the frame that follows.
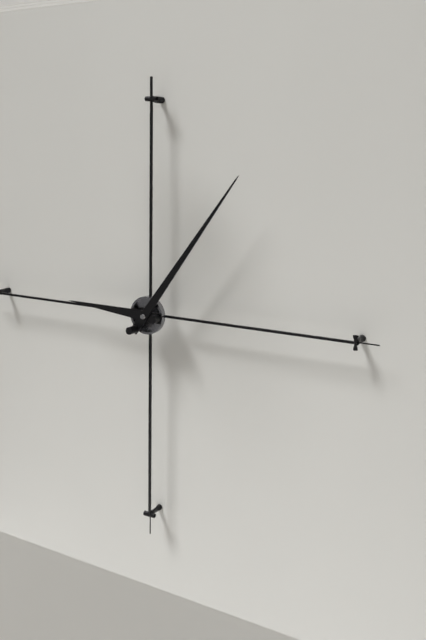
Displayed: 9h06
